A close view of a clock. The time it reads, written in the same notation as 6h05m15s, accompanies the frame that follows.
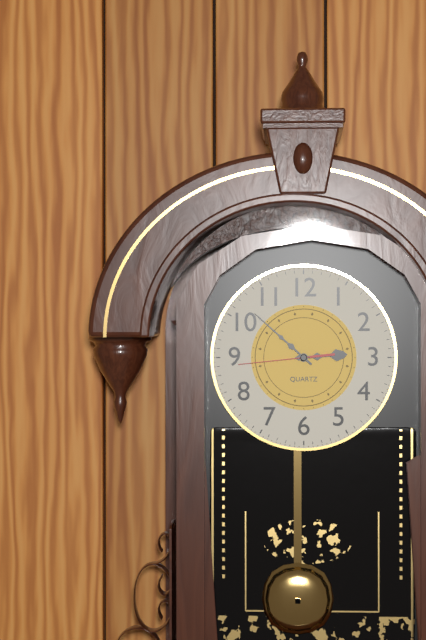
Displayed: 2h52m44s
